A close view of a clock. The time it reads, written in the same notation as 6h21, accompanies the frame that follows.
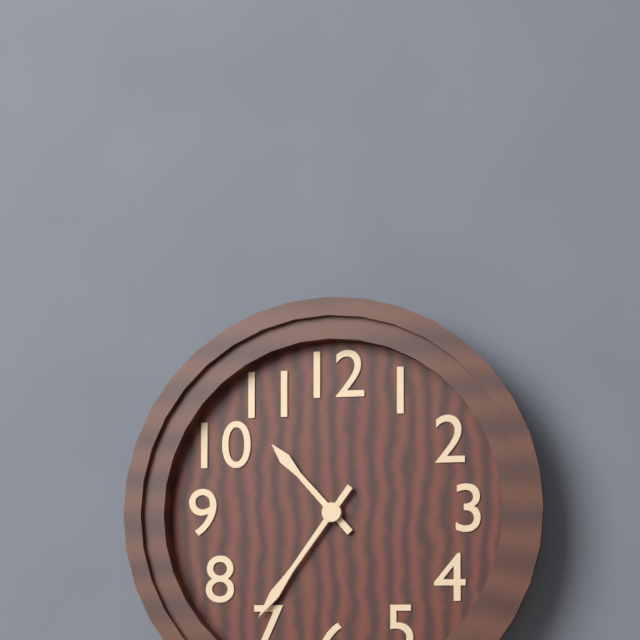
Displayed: 10h36
